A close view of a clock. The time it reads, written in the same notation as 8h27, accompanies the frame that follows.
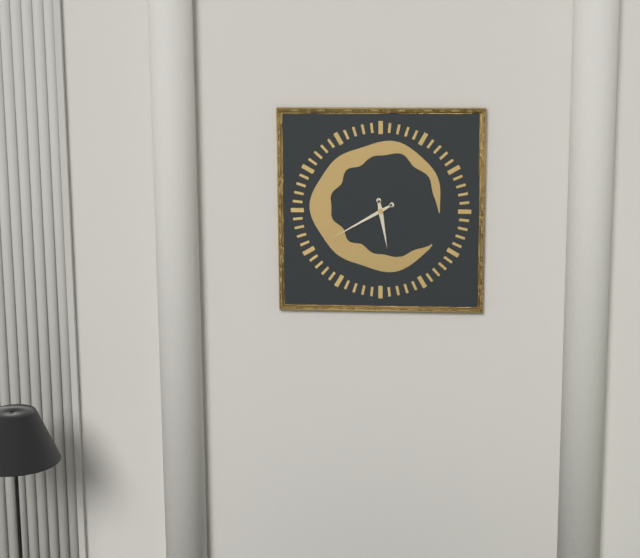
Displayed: 5h40
